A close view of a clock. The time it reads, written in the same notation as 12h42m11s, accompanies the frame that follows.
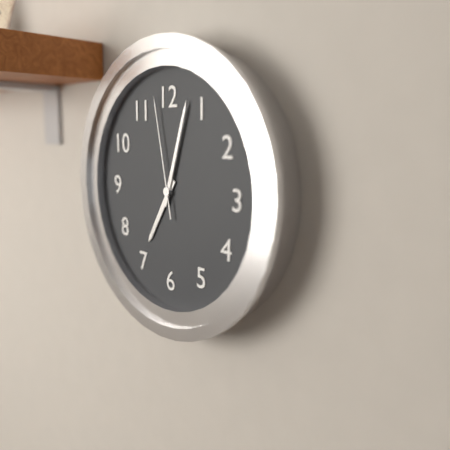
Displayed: 7h03m58s
